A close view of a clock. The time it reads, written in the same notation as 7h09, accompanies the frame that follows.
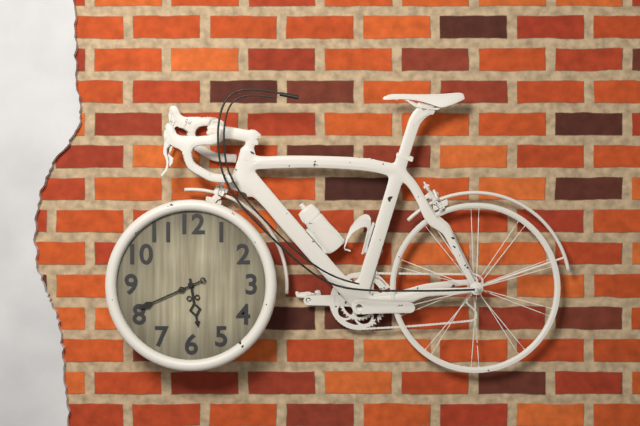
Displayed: 5h41
